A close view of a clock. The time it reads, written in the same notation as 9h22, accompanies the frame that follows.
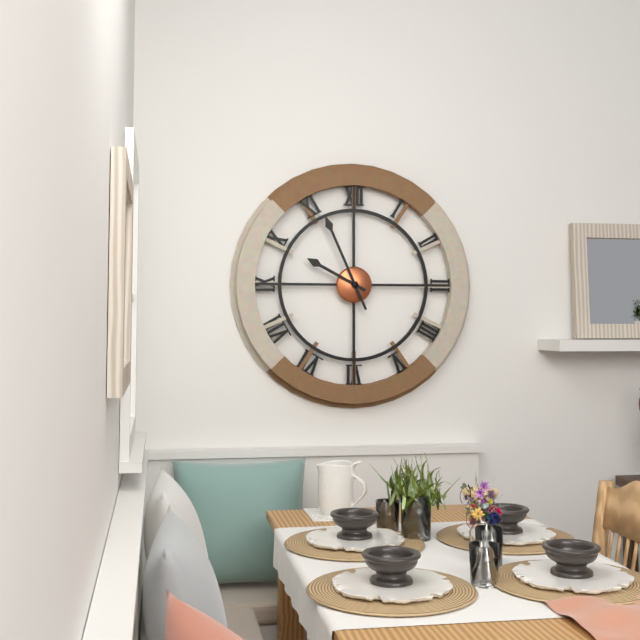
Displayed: 9h56
